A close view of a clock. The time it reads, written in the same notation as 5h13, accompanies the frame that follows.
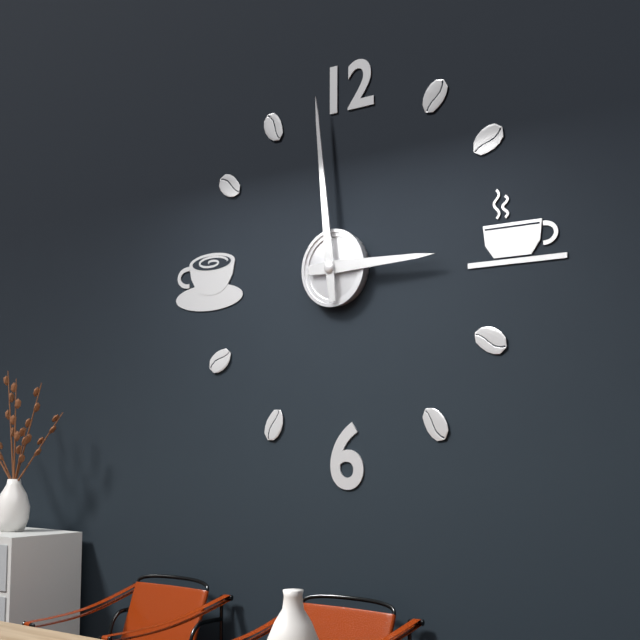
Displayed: 2h59
